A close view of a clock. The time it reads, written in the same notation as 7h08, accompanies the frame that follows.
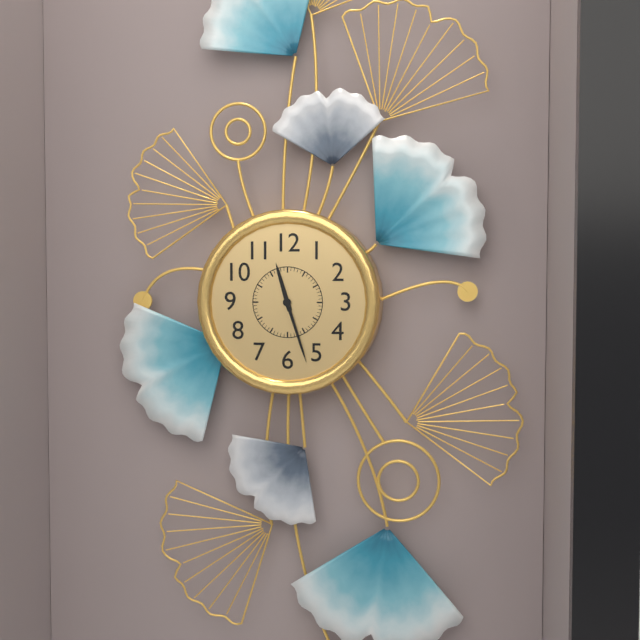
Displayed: 11h27
